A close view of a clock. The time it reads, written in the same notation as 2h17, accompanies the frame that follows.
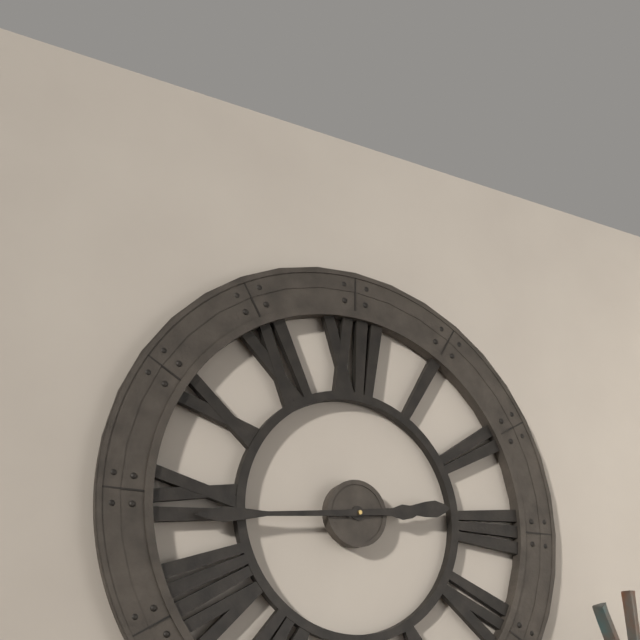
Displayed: 2h44
